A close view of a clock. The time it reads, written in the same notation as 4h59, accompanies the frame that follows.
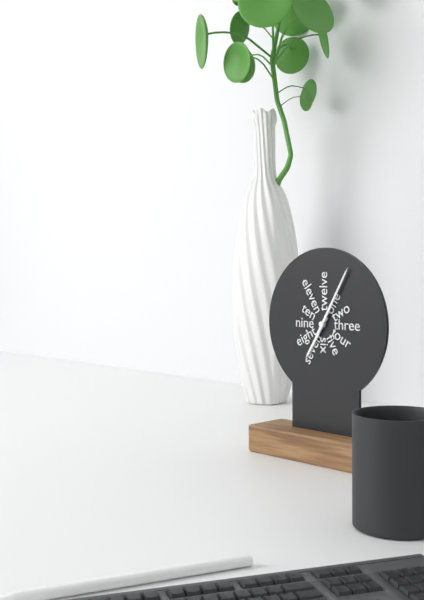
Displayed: 7h05
